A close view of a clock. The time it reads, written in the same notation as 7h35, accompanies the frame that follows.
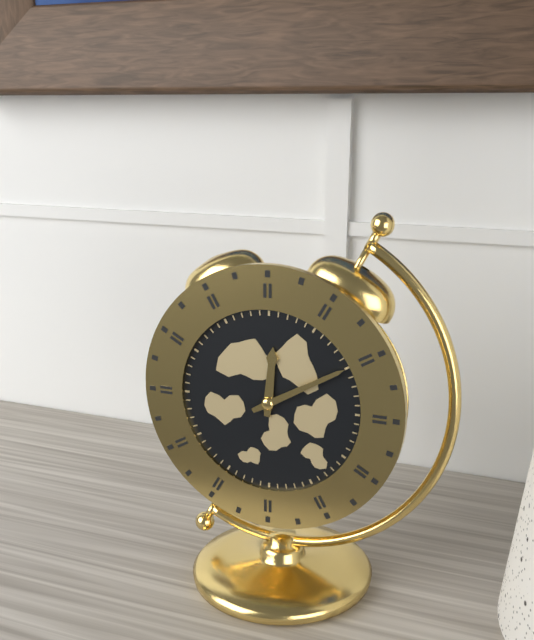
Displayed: 12h10
